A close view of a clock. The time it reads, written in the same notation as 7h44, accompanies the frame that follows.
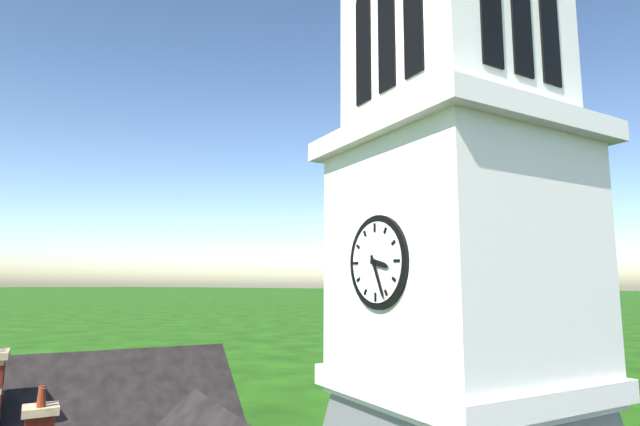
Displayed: 3h26
